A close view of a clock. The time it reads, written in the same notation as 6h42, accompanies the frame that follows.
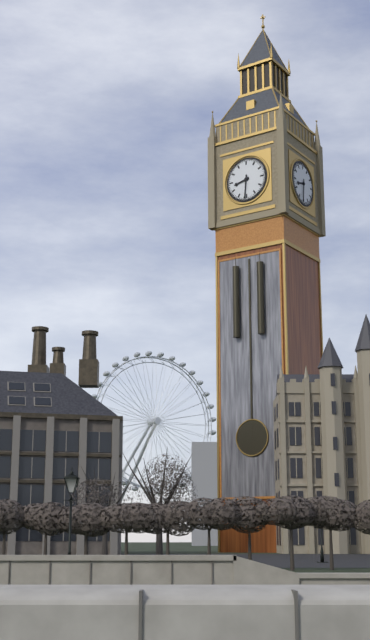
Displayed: 8h31
